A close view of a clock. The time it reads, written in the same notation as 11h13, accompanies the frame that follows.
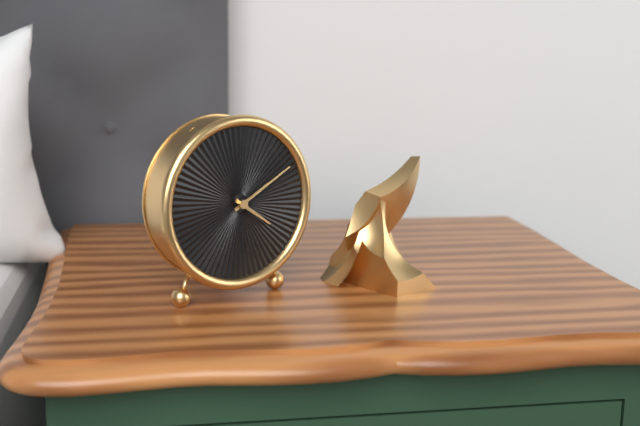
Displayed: 4h10
